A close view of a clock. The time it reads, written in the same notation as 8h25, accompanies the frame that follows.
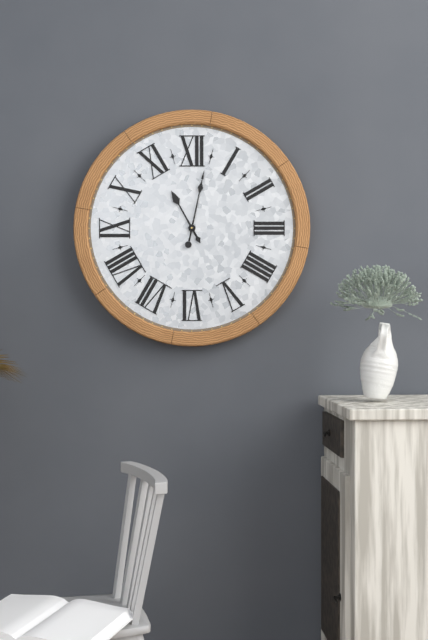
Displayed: 11h02
